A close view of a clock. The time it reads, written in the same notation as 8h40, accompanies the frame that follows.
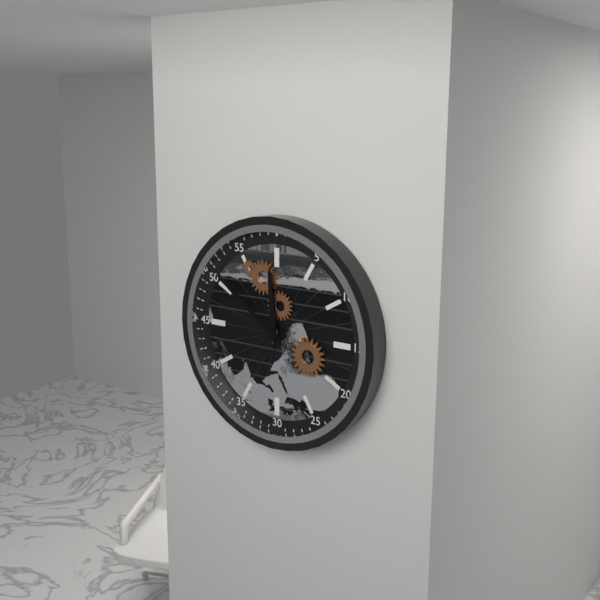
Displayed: 11h51
